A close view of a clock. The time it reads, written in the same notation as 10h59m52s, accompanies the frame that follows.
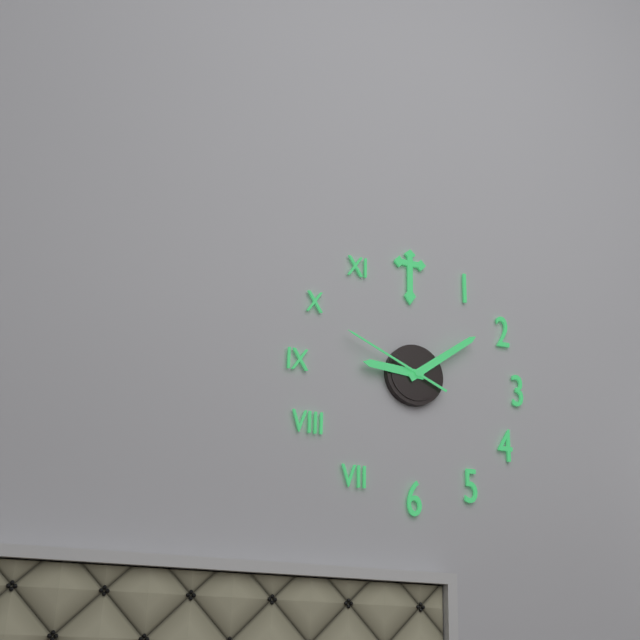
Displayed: 9h09m49s
